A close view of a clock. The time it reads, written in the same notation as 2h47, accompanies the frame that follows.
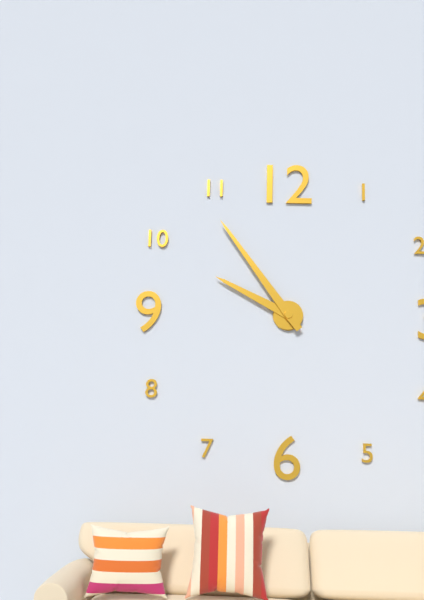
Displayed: 9h54
